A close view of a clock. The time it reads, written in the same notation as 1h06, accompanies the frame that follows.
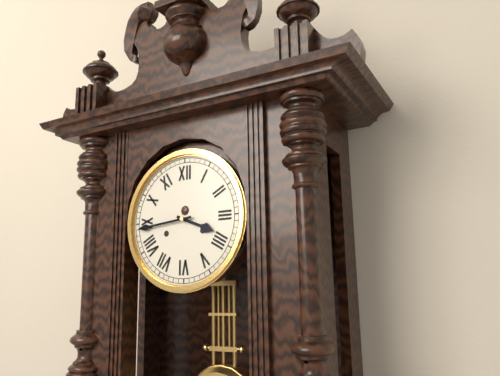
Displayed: 3h44
